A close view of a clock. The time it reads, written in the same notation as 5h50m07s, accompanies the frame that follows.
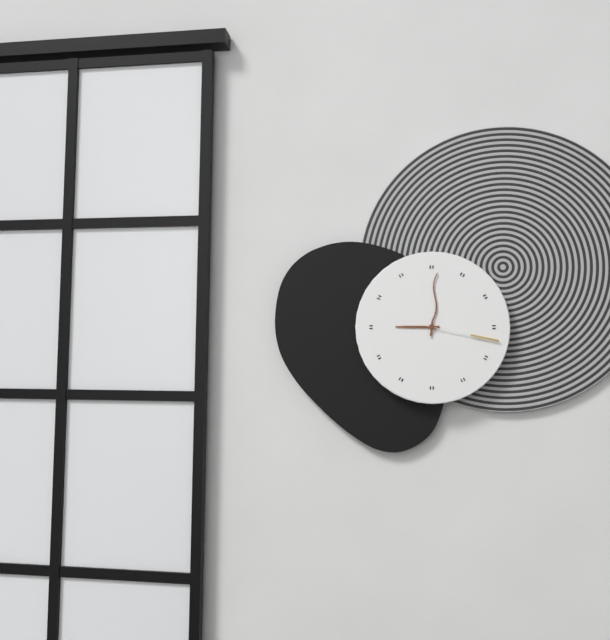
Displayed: 9h01m17s
